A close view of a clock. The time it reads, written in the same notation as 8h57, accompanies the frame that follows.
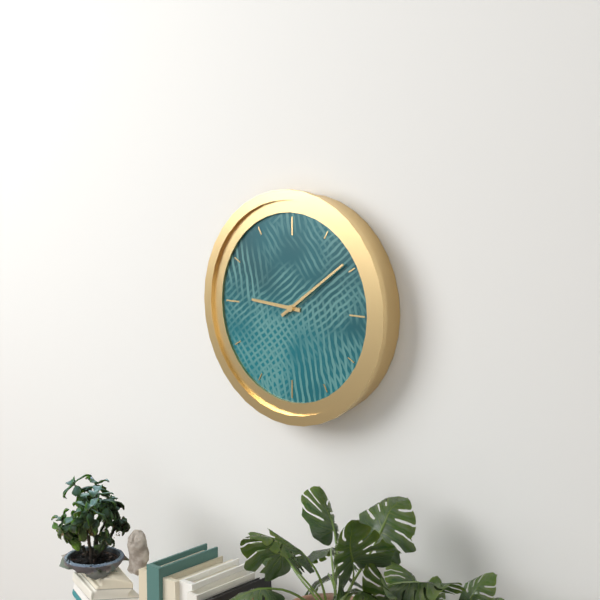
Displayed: 9h09
